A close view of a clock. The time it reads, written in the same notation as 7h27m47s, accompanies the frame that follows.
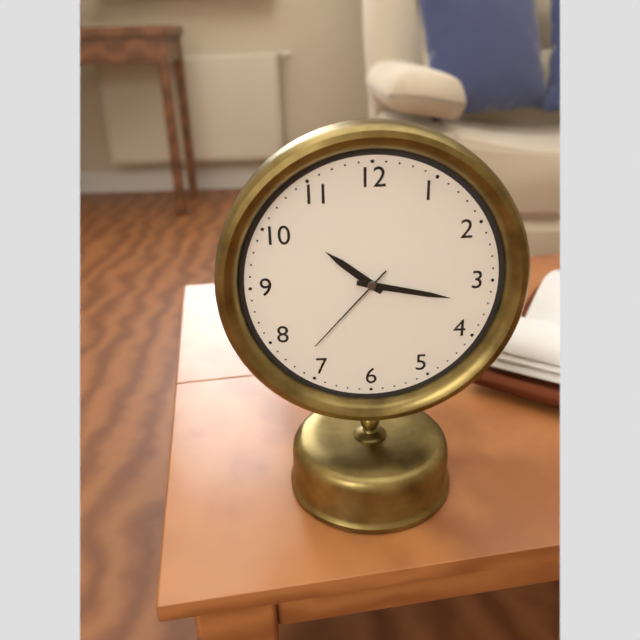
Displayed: 10h17m37s
